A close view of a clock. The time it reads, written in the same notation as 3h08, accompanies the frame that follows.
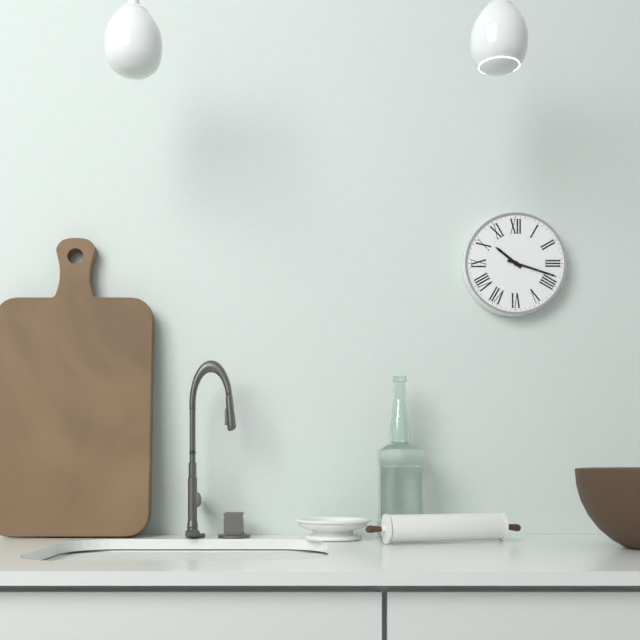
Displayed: 10h18
